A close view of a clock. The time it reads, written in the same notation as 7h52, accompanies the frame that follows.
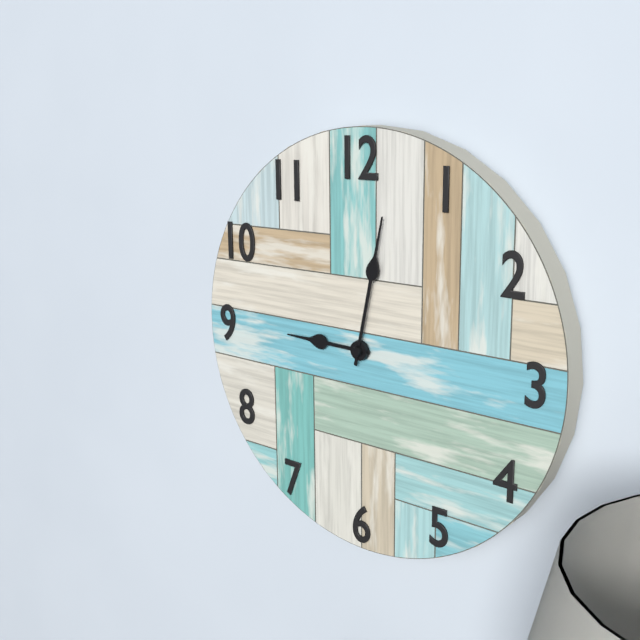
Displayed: 9h02
